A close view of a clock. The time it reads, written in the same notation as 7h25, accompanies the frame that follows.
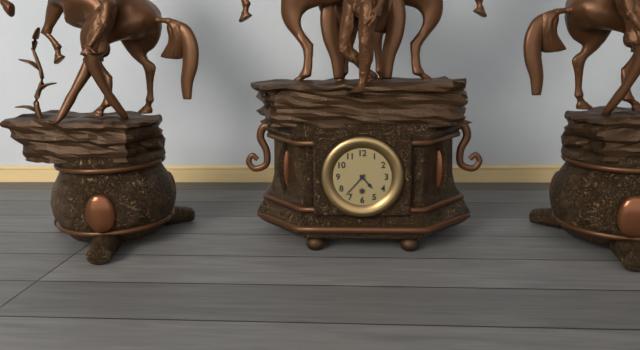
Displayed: 4h37
